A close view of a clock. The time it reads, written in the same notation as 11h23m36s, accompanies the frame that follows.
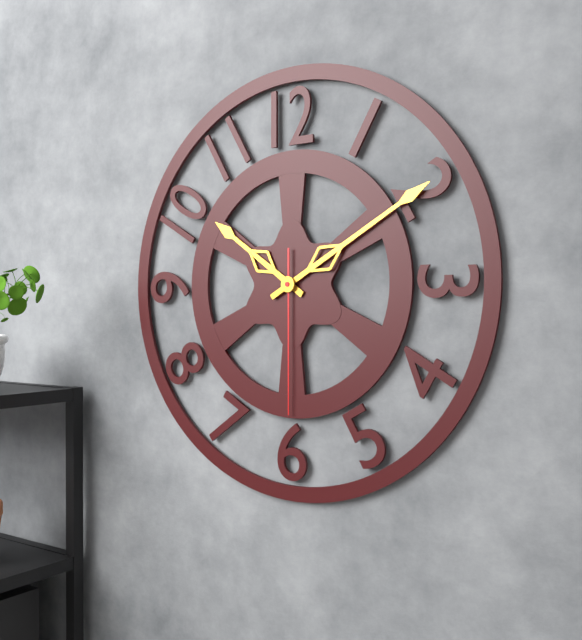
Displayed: 10h10m30s
